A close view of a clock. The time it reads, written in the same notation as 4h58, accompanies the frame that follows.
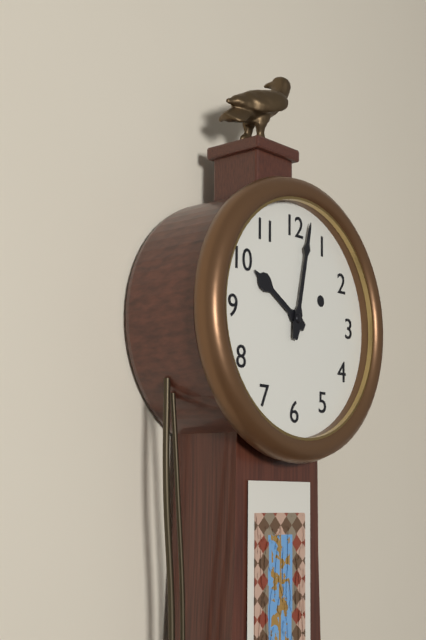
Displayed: 10h02
